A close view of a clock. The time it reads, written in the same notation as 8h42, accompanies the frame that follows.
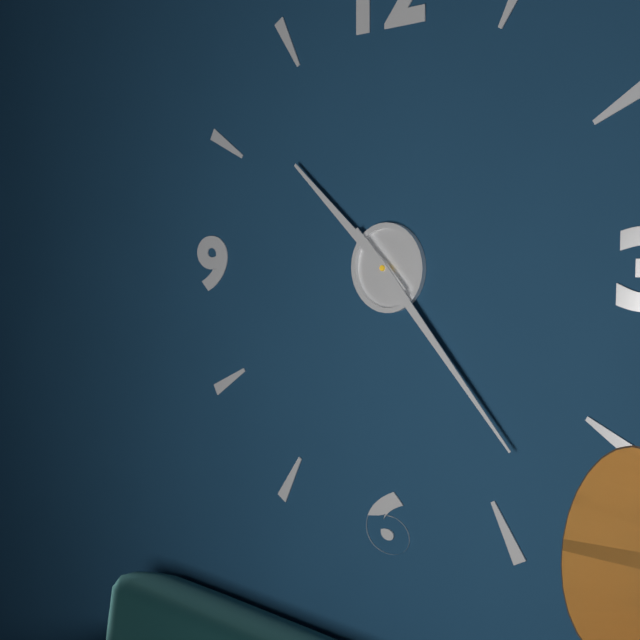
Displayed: 10h23
